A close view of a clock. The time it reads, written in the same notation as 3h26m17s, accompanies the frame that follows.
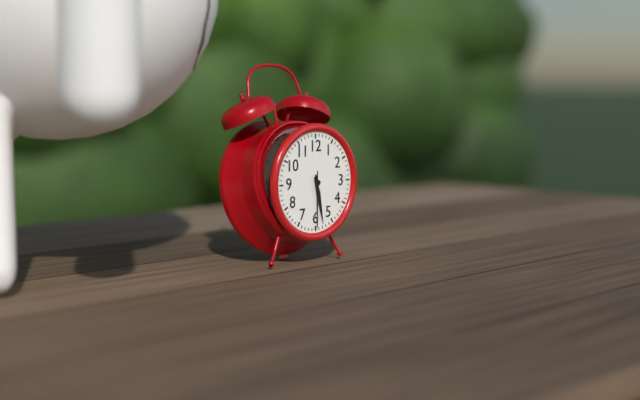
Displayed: 5h28m30s
